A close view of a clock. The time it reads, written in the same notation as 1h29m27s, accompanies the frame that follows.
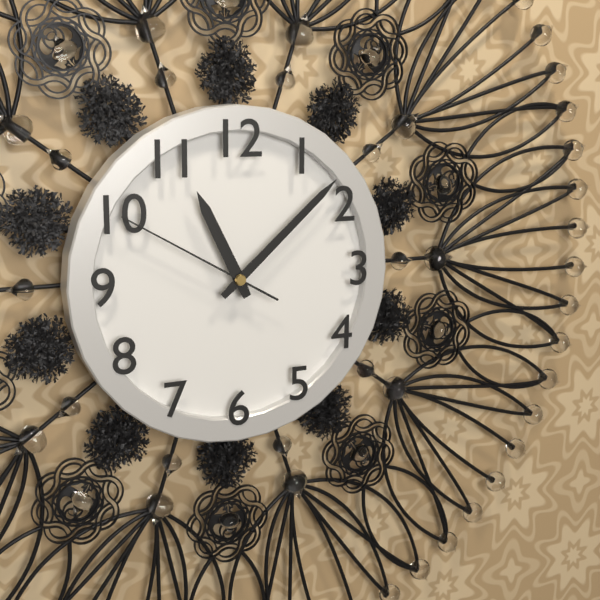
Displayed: 11h08m50s
